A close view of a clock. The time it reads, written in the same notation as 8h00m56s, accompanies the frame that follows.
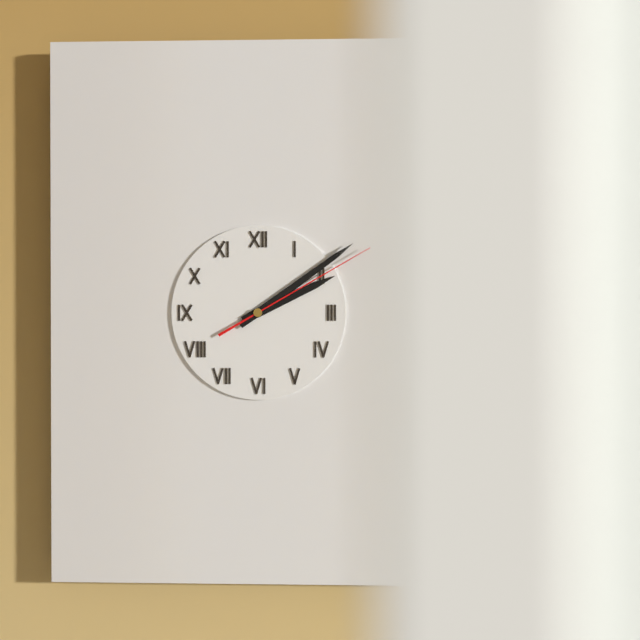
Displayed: 2h09m10s
